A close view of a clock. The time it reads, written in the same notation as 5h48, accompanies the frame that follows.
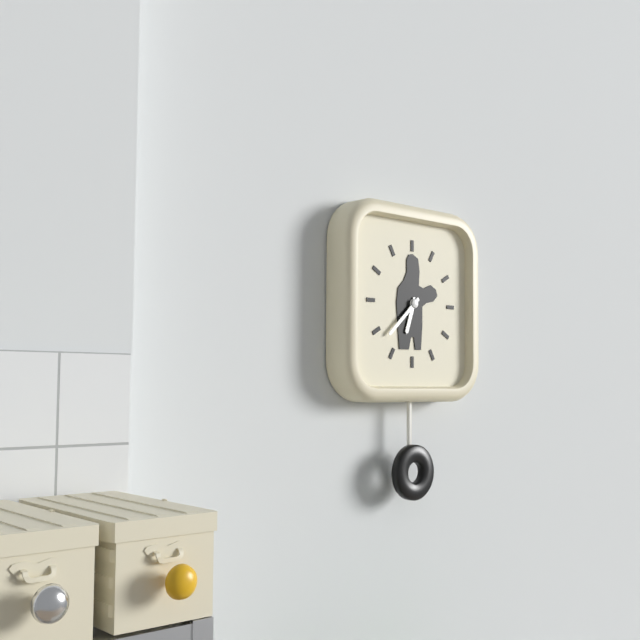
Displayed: 6h38
